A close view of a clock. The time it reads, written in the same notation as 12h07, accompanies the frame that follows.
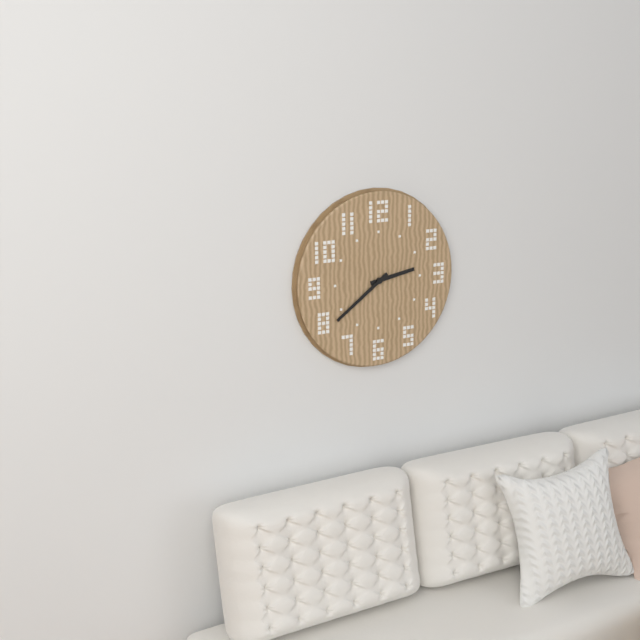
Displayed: 2h39
